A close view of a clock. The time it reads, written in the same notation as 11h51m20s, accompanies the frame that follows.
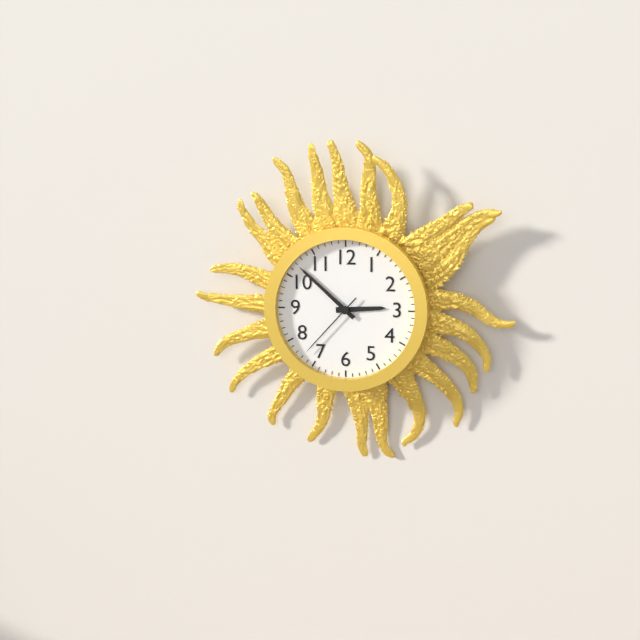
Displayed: 2h52m37s
